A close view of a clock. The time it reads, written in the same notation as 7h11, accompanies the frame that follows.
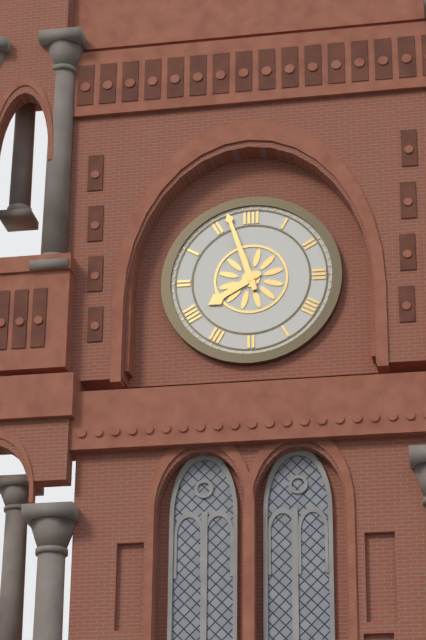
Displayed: 7h57
